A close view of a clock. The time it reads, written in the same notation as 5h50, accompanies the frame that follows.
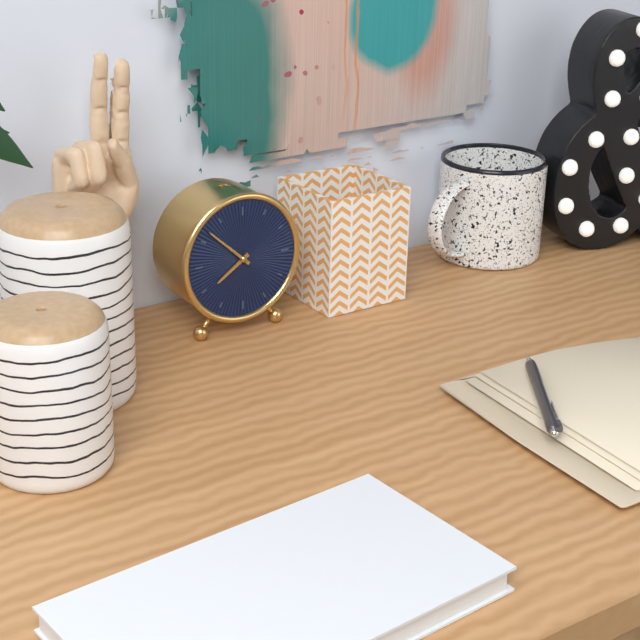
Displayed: 7h52
